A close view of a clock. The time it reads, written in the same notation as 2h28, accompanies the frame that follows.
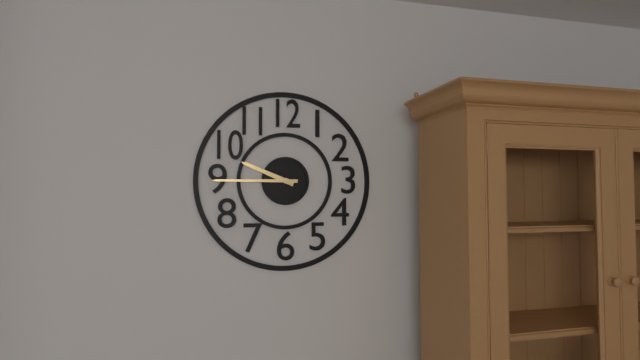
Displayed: 9h45
